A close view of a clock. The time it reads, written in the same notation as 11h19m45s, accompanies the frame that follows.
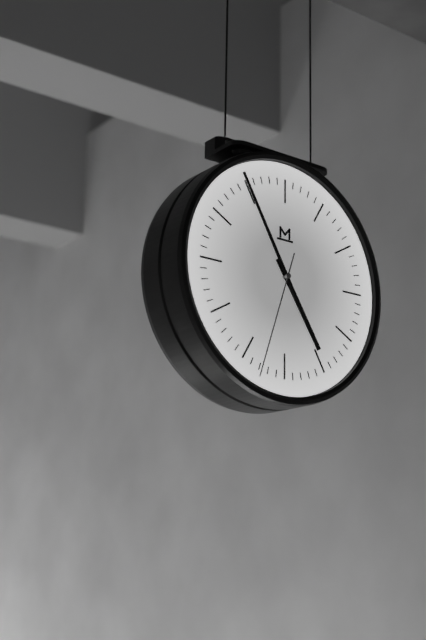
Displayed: 4h55m33s
